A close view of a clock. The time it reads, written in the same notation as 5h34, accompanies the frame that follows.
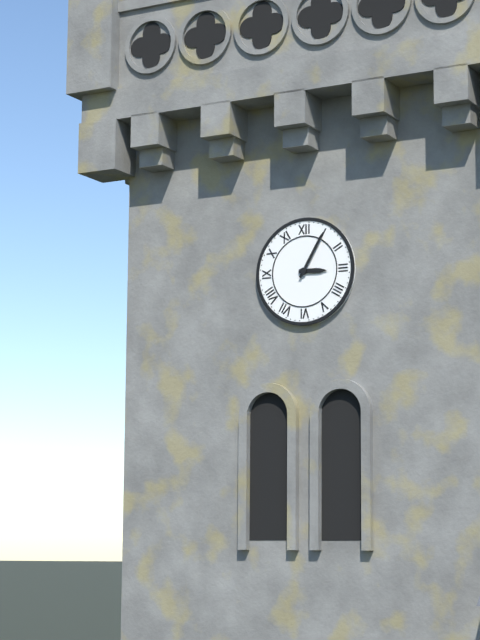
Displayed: 3h05
